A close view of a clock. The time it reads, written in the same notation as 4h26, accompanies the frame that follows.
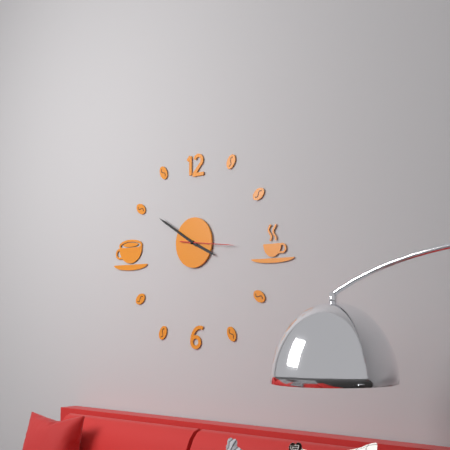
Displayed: 3h50
